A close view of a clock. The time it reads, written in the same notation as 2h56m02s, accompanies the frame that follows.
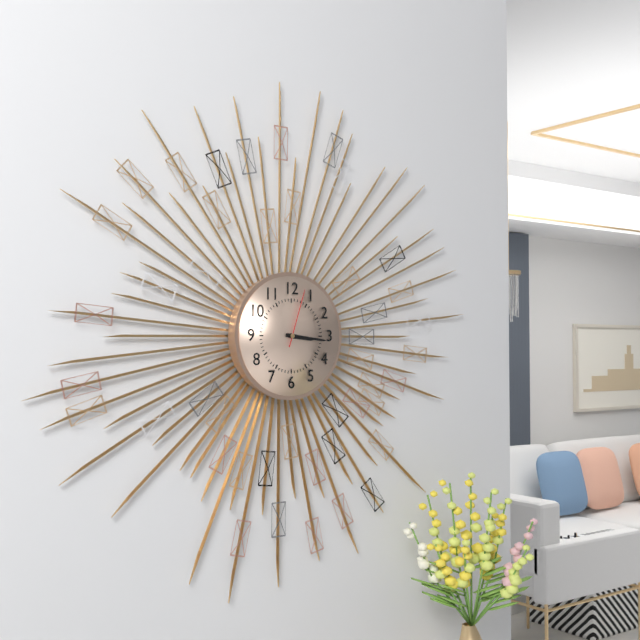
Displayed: 3h16m03s
